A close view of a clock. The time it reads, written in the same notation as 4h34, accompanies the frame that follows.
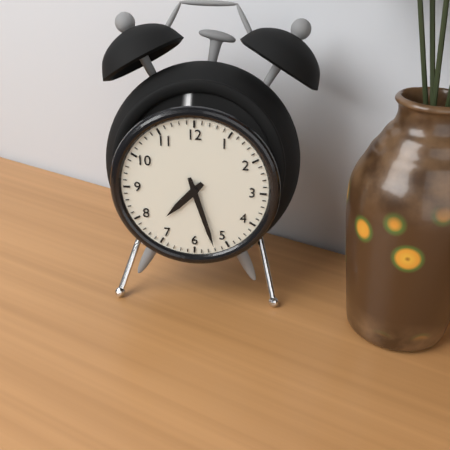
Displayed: 7h27
